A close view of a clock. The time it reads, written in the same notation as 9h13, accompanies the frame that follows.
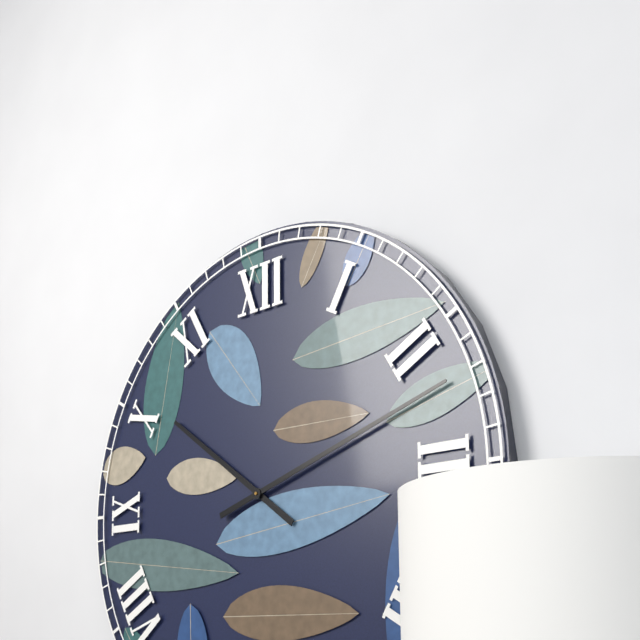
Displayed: 10h12
